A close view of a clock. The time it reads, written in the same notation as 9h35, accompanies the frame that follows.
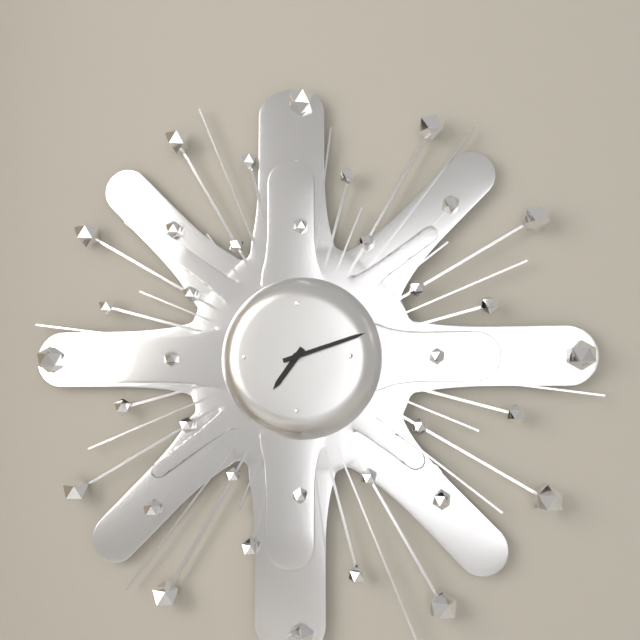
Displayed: 7h12
